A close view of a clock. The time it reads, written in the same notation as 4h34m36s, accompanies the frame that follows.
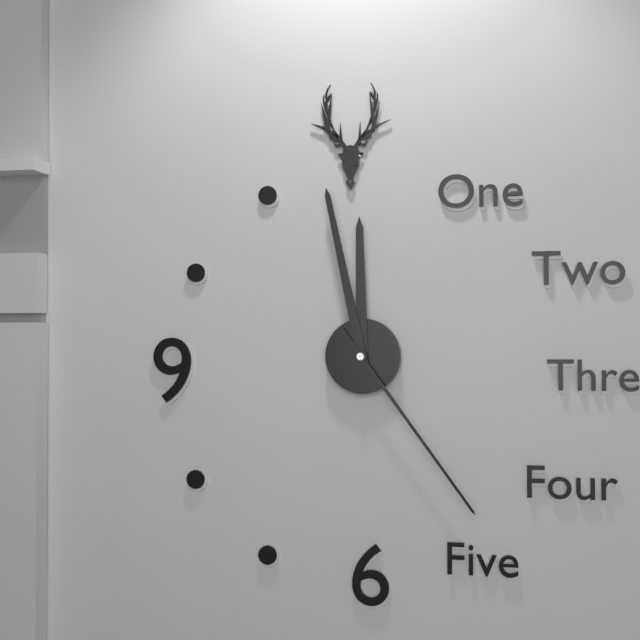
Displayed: 11h58m24s
